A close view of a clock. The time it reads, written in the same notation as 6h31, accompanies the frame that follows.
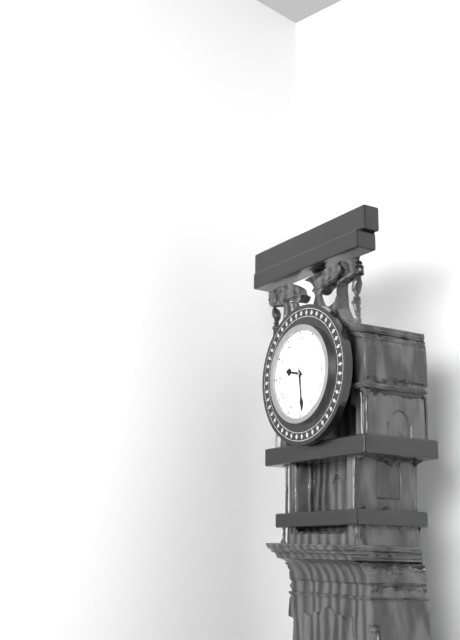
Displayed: 9h29
